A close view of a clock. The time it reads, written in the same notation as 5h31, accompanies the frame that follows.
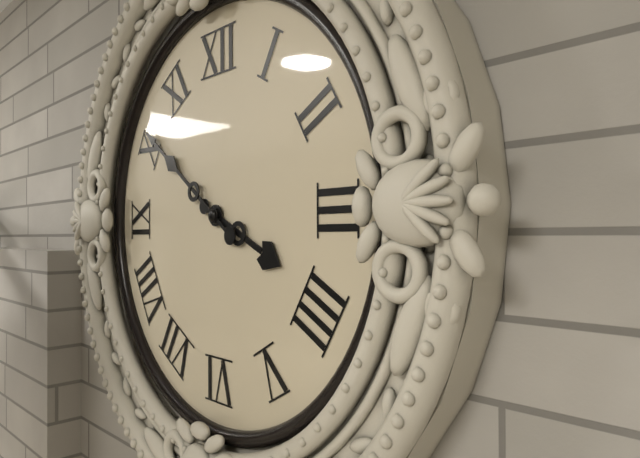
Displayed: 3h51
